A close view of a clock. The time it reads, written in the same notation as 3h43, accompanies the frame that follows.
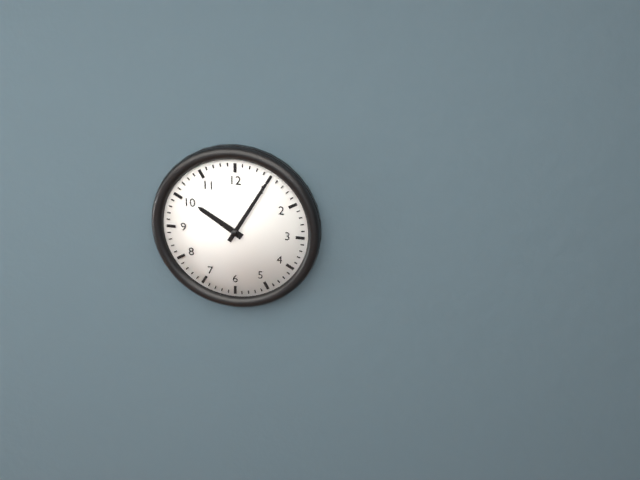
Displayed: 10h05
